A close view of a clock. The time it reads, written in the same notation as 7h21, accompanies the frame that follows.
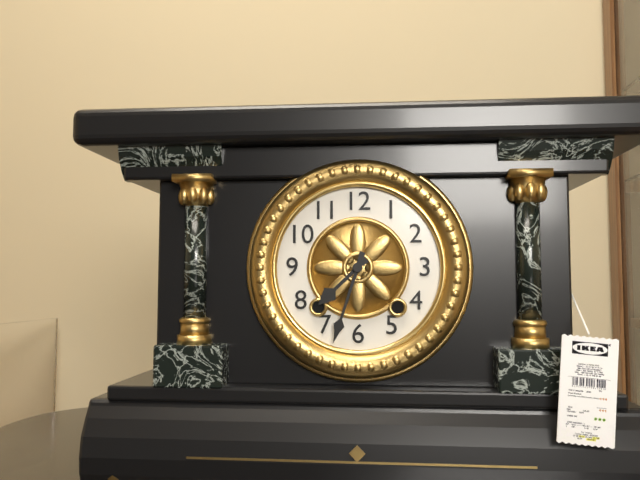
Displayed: 7h33
